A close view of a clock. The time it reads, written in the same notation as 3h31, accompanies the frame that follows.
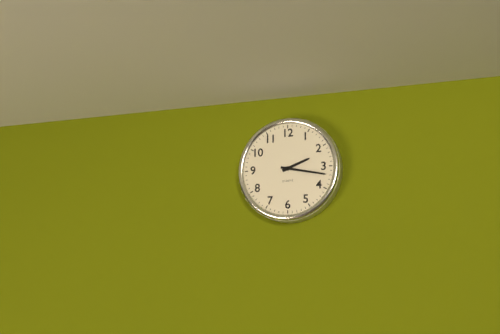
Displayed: 2h17
